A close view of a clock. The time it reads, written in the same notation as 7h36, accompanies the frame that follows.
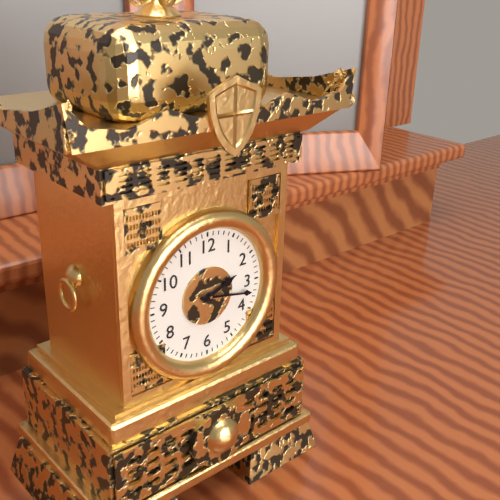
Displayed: 2h17
